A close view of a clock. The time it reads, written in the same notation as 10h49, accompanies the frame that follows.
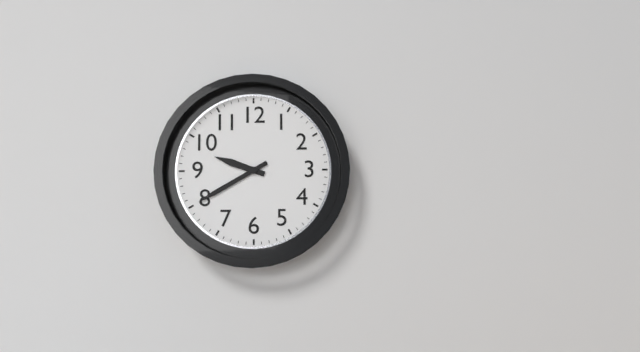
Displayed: 9h40
